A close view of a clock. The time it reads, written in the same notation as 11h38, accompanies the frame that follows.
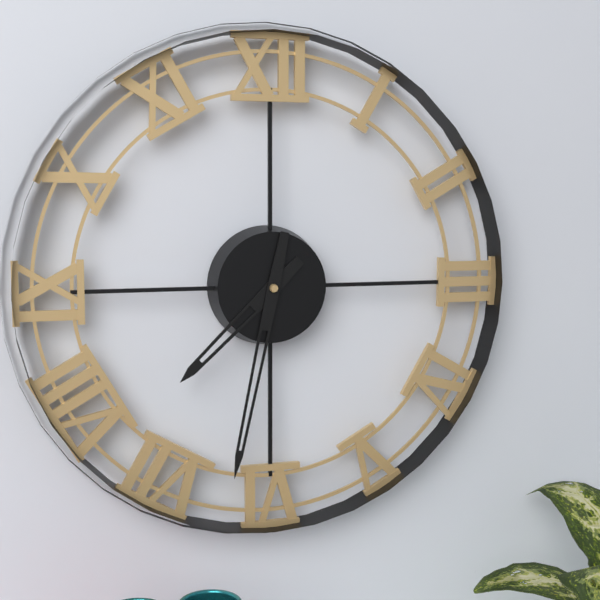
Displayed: 7h32
